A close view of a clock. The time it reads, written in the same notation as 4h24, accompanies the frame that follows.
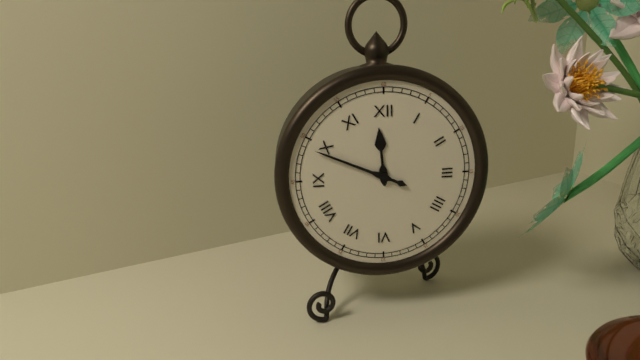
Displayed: 11h49
